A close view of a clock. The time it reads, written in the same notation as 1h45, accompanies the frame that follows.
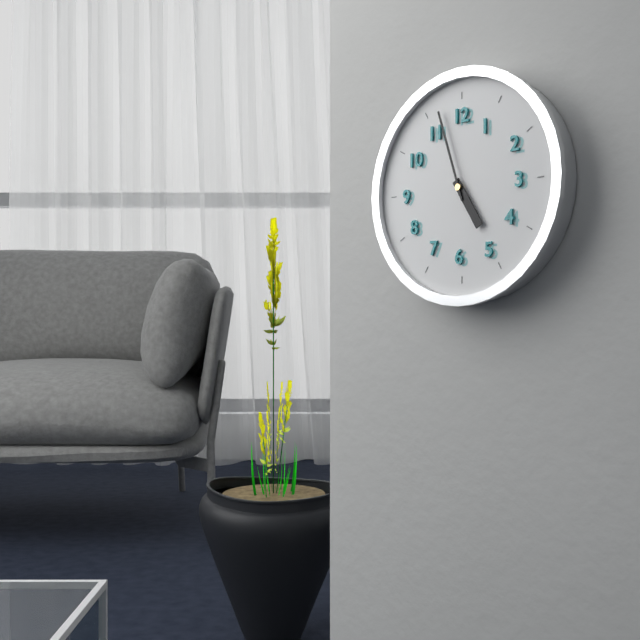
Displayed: 4h57
